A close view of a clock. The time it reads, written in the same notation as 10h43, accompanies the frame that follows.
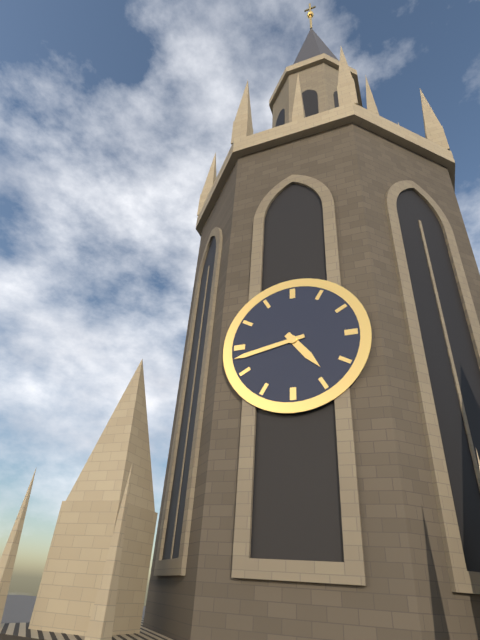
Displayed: 4h43
